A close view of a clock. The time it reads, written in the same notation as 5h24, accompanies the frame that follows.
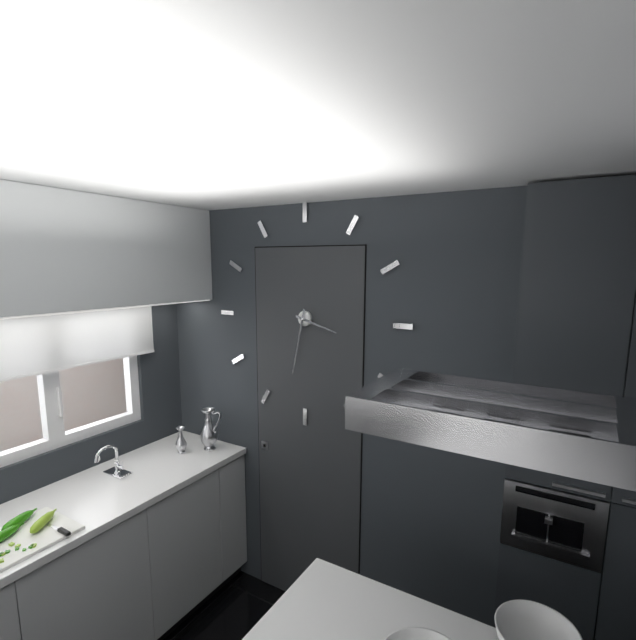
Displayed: 3h32
